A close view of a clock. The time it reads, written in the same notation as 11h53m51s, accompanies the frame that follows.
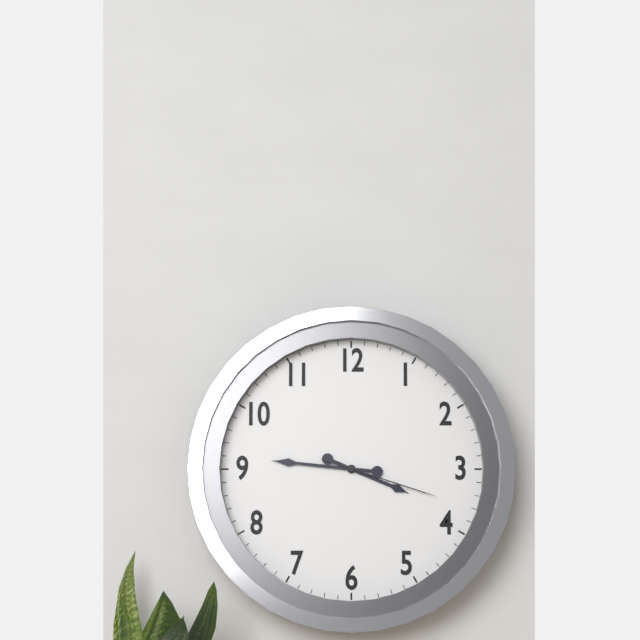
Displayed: 3h46m18s
